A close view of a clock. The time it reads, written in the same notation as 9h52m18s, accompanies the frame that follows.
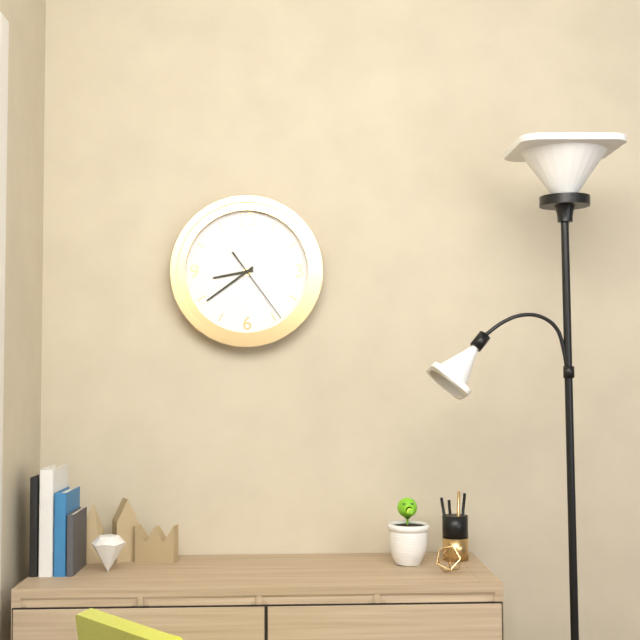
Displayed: 8h39m24s
